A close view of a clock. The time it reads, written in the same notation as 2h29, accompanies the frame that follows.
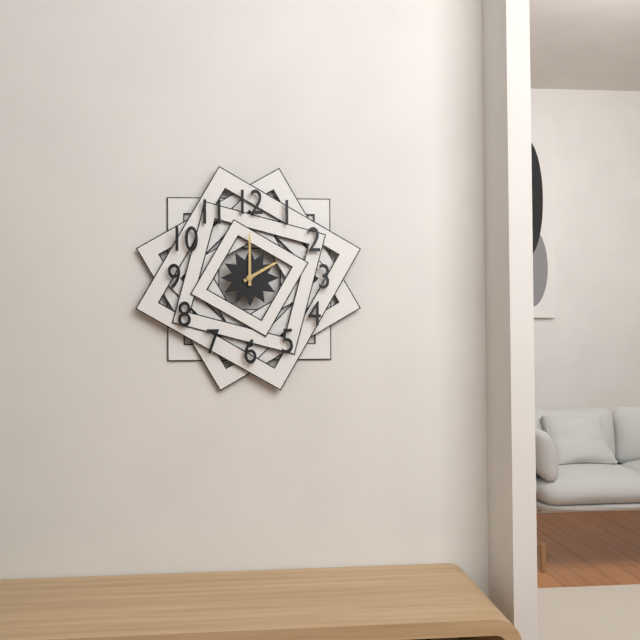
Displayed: 2h00
